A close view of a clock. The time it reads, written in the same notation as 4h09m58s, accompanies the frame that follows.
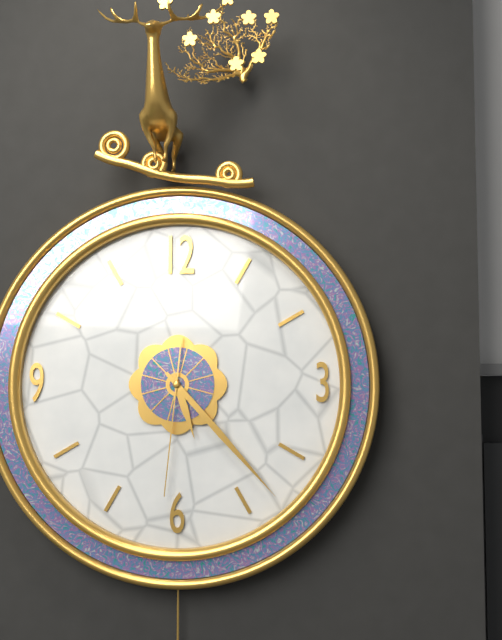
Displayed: 5h23m31s
